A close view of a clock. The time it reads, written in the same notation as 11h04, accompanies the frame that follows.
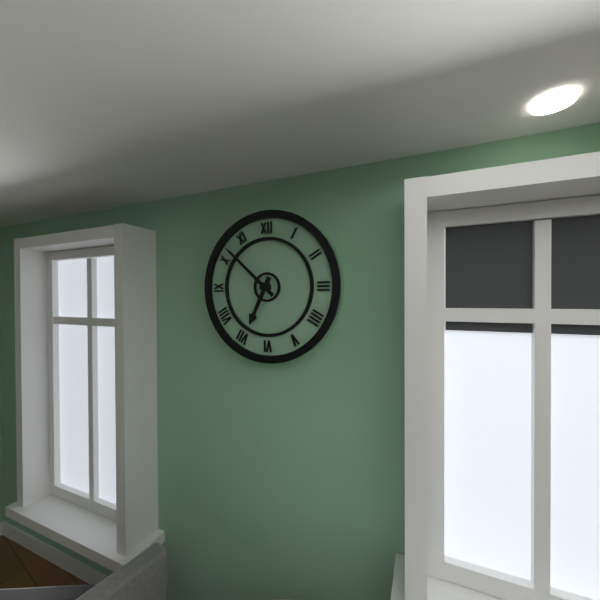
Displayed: 6h52
